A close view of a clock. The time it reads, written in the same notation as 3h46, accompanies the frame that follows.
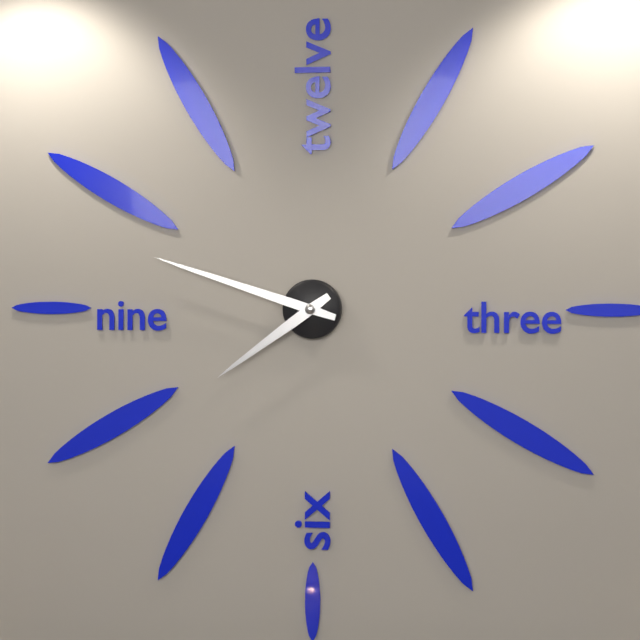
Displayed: 7h48
